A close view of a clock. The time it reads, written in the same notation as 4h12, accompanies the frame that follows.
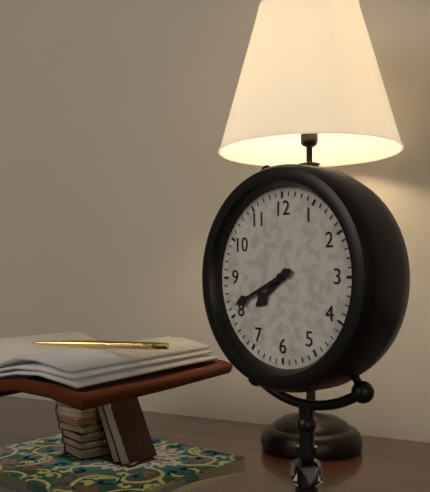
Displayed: 7h41
